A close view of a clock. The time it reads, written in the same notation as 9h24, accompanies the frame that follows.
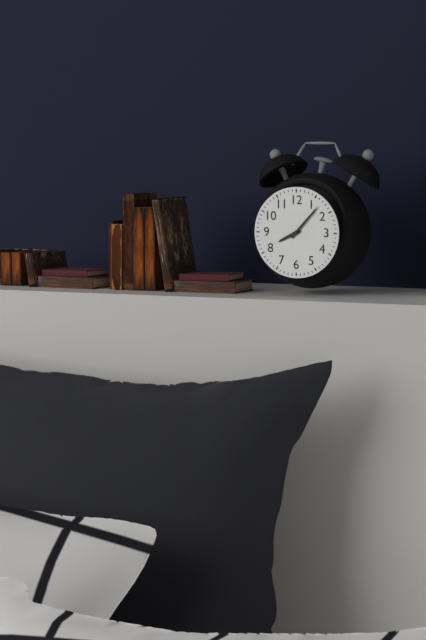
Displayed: 8h07
